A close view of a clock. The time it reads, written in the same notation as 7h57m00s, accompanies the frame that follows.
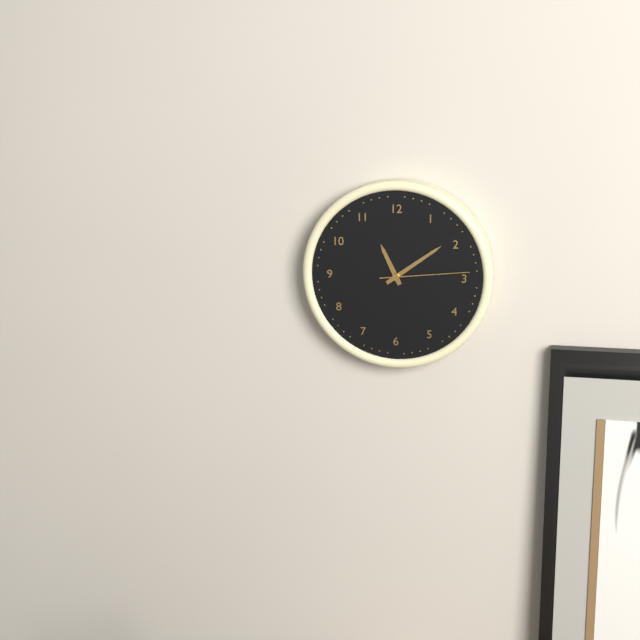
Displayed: 11h09m14s
